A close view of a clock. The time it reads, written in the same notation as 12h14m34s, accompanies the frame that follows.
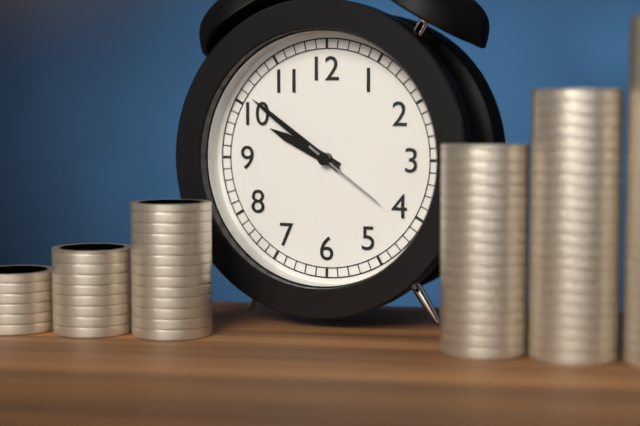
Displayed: 9h51m21s
